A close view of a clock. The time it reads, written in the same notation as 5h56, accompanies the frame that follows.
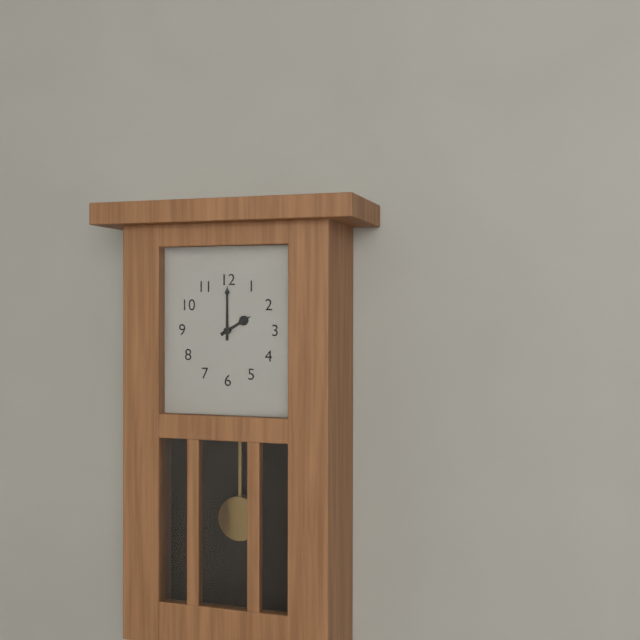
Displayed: 2h00
